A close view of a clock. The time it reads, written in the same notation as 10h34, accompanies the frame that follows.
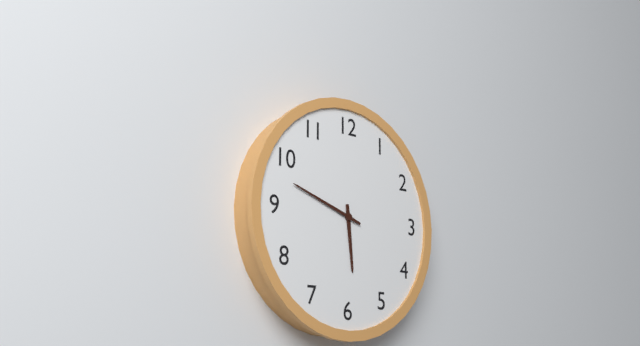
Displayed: 5h48
